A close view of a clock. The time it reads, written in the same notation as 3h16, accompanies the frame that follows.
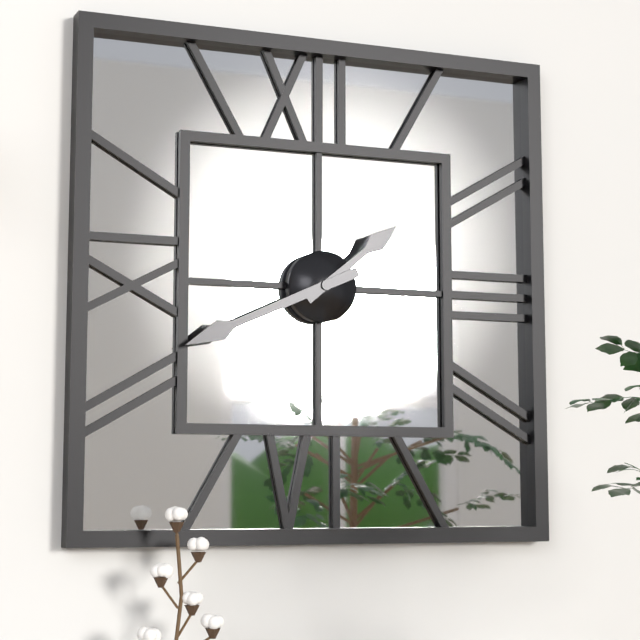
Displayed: 1h41
